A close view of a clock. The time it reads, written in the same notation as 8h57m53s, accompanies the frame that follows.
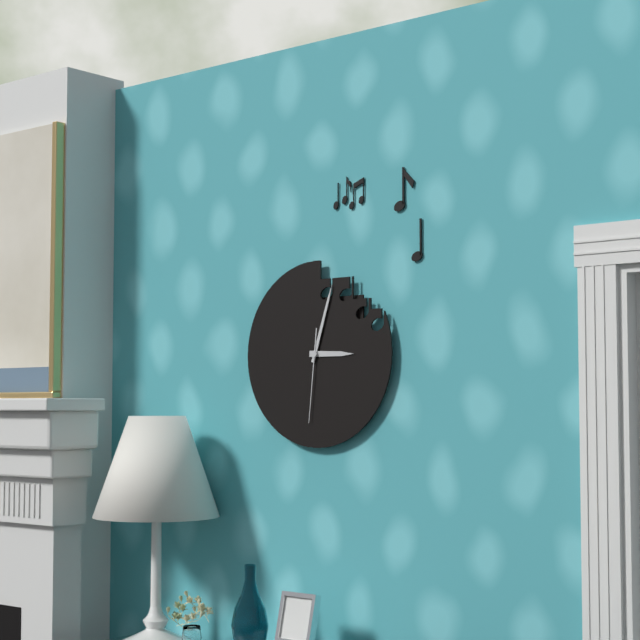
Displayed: 3h03m31s
